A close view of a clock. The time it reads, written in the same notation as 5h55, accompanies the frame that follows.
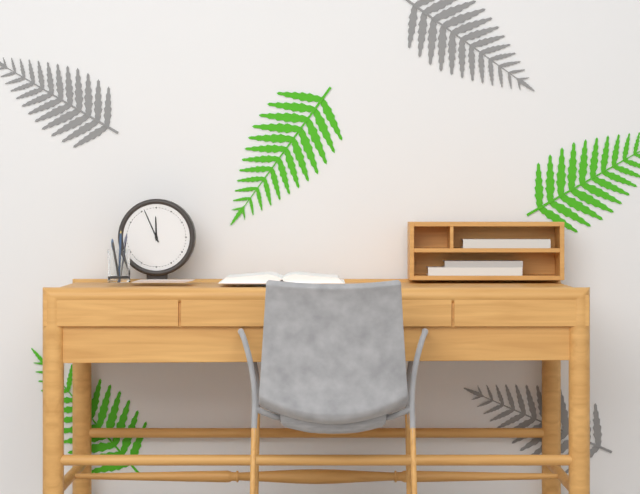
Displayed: 11h56
